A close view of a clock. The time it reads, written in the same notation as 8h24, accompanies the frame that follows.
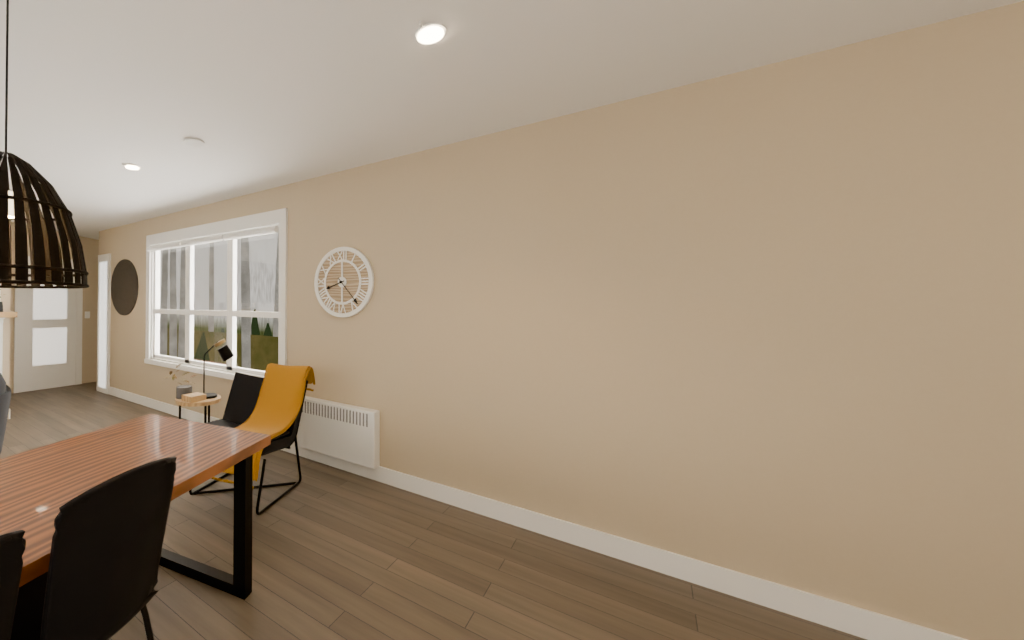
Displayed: 8h23
